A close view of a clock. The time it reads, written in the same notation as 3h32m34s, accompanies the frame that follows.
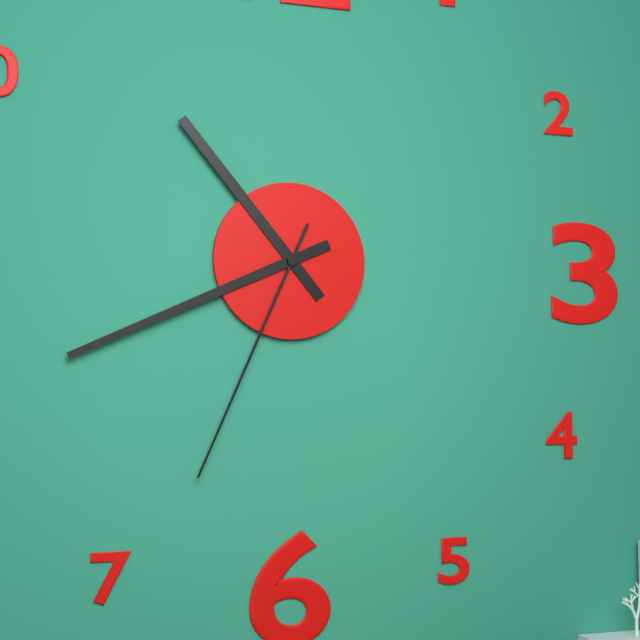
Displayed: 10h41m34s
